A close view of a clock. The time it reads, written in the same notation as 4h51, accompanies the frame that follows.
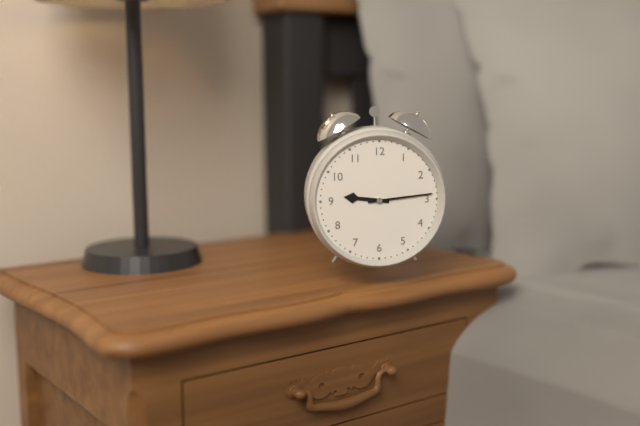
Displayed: 9h14
